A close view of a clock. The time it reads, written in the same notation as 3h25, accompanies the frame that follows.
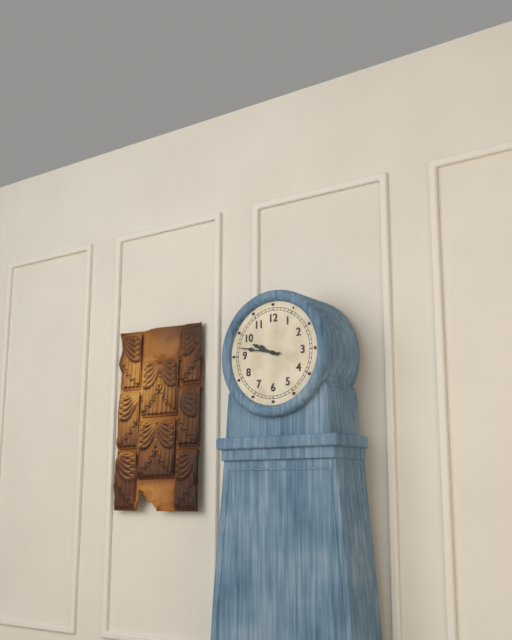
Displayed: 9h47
